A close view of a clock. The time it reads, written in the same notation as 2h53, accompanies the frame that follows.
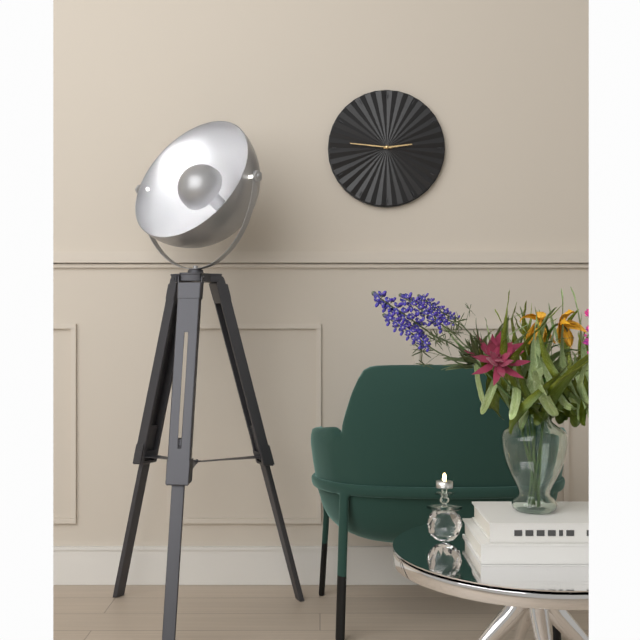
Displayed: 2h46
